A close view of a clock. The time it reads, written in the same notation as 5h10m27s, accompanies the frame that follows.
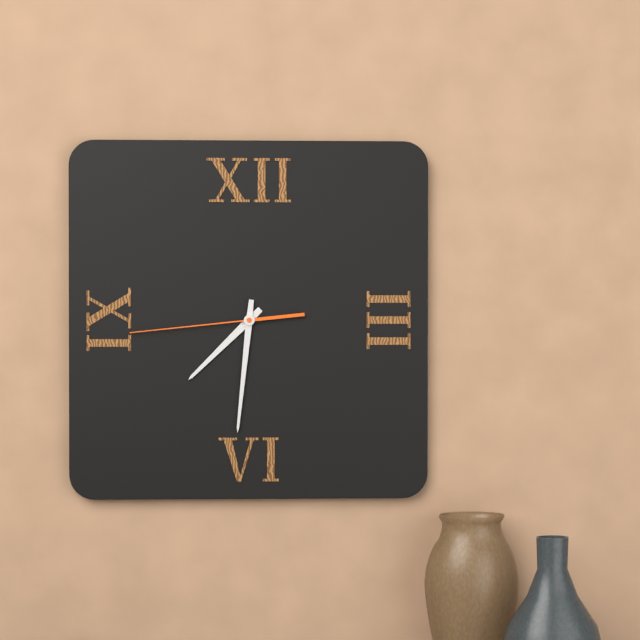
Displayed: 7h31m44s
